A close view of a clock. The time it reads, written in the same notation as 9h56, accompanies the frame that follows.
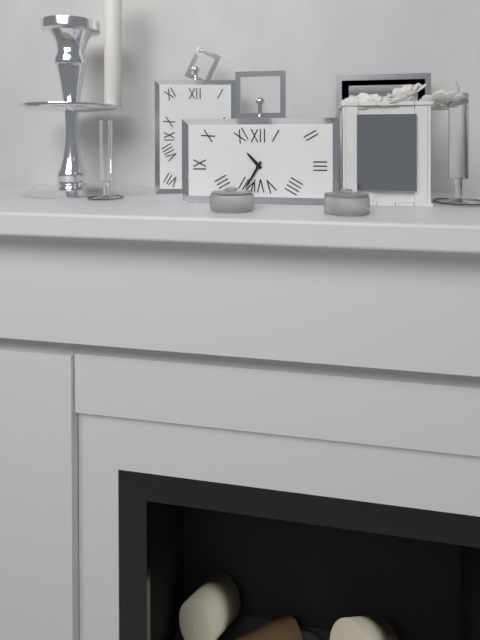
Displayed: 10h35
